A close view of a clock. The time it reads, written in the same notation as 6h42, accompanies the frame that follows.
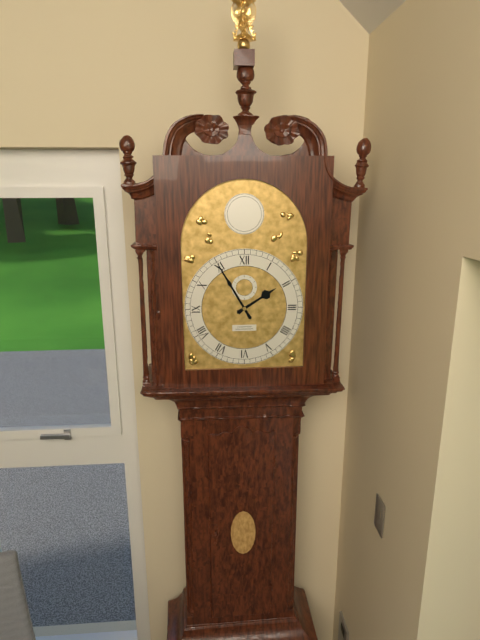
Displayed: 1h55
